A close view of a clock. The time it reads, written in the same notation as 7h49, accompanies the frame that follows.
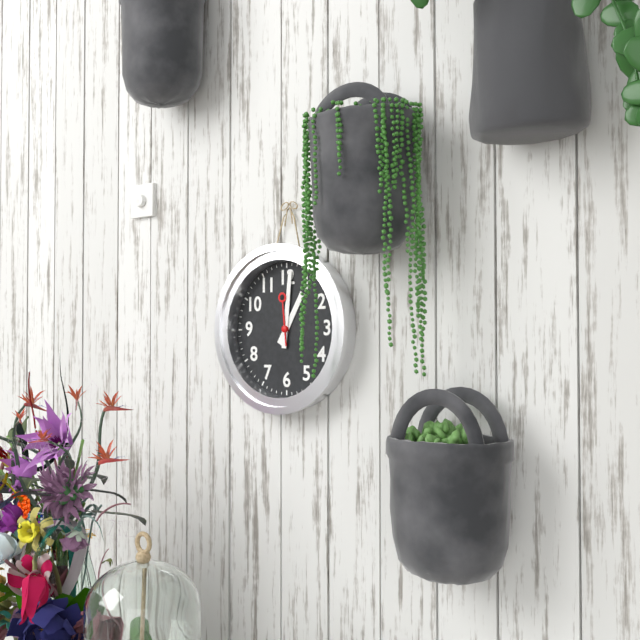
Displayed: 1h01
